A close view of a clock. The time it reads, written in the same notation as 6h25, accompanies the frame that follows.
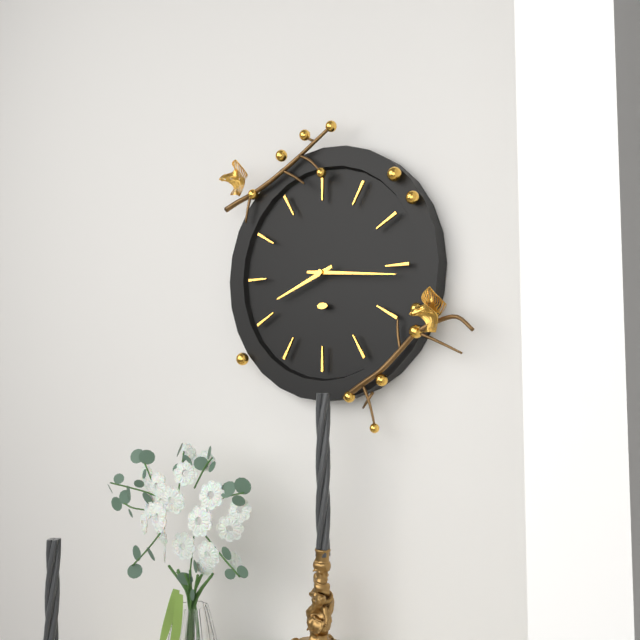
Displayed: 8h16
